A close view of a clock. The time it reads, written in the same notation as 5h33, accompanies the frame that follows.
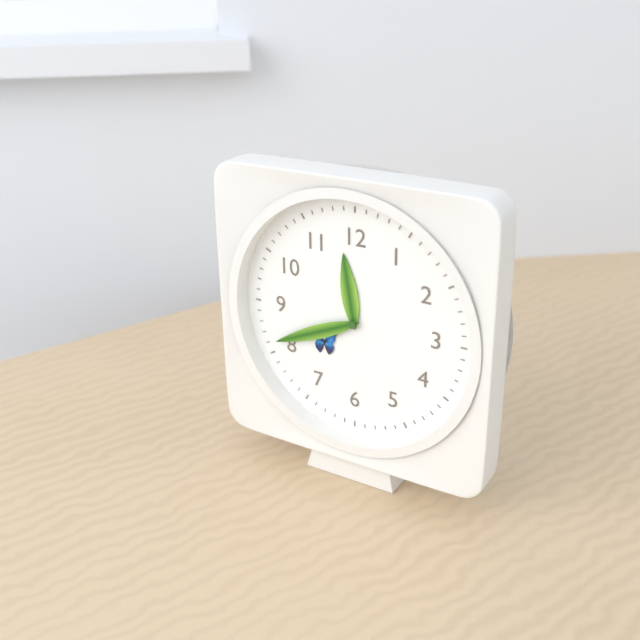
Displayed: 11h41
